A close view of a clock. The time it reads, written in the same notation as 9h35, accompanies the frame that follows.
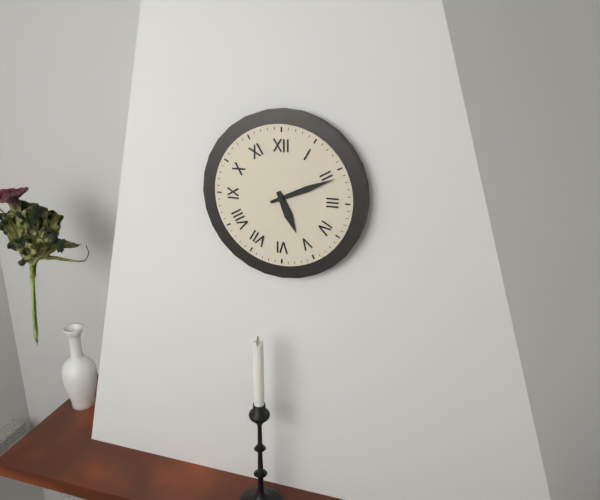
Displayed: 5h11
